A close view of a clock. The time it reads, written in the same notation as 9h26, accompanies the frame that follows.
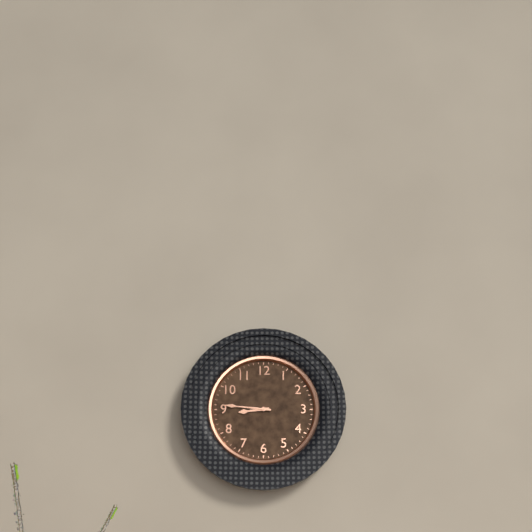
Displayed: 8h46
